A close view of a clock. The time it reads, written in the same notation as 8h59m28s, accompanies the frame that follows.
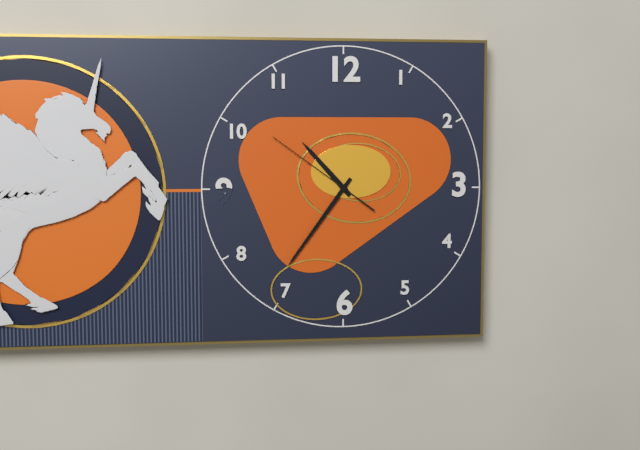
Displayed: 10h36m51s
